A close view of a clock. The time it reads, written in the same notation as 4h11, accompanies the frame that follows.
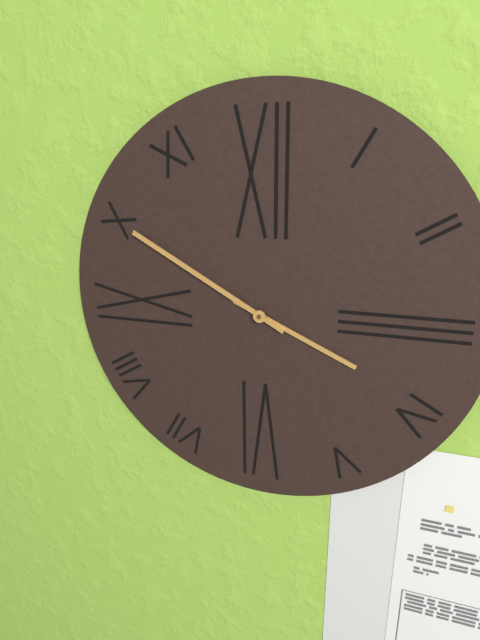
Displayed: 3h50
